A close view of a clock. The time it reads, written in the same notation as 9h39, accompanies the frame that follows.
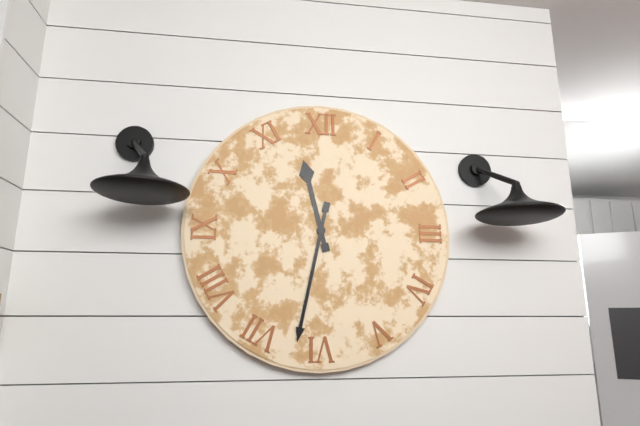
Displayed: 11h32
